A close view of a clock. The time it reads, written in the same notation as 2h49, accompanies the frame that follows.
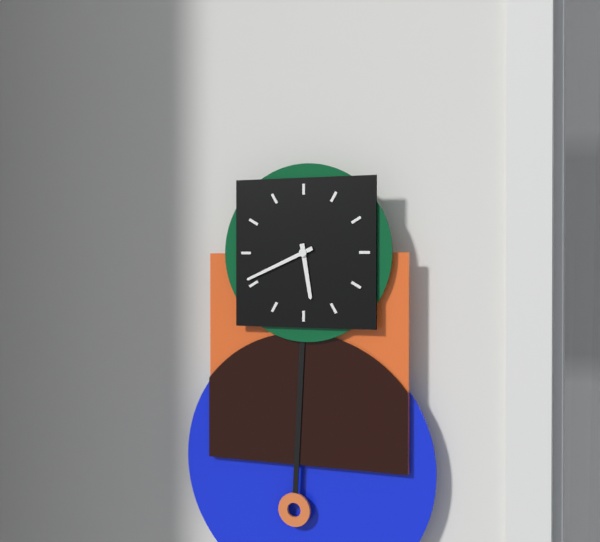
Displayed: 5h41
